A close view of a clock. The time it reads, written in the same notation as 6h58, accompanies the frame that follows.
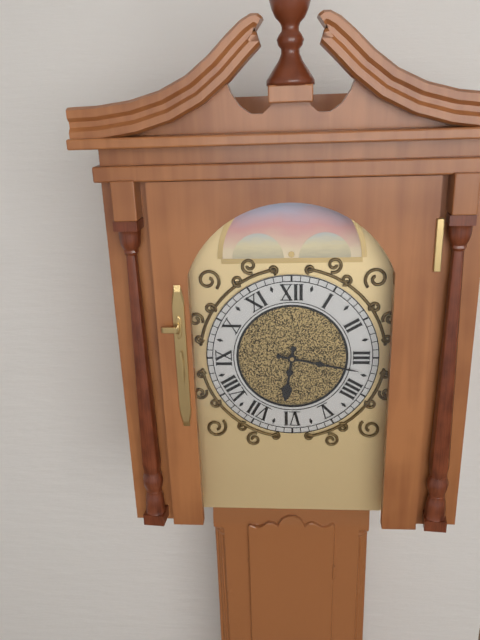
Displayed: 6h17
